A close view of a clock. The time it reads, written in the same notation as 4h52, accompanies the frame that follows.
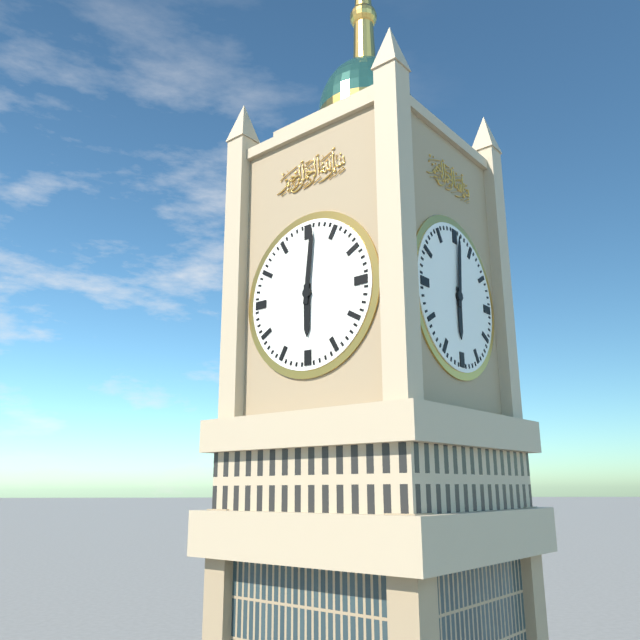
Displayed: 6h01
